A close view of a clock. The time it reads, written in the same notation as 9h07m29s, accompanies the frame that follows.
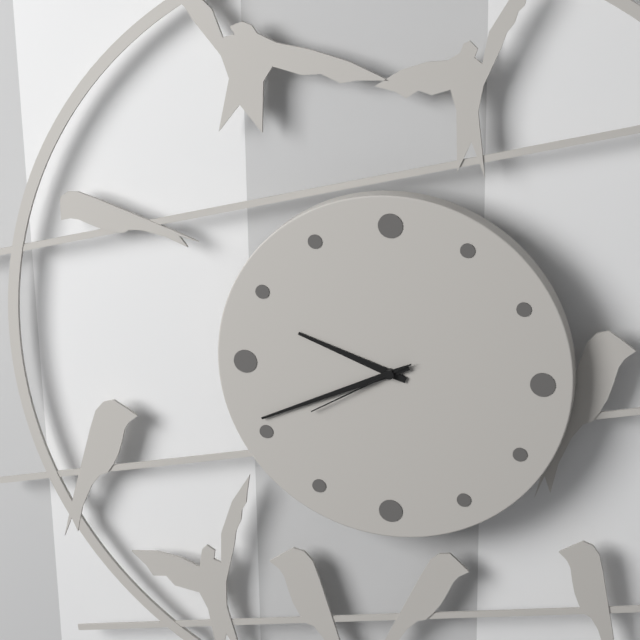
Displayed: 9h41m40s
